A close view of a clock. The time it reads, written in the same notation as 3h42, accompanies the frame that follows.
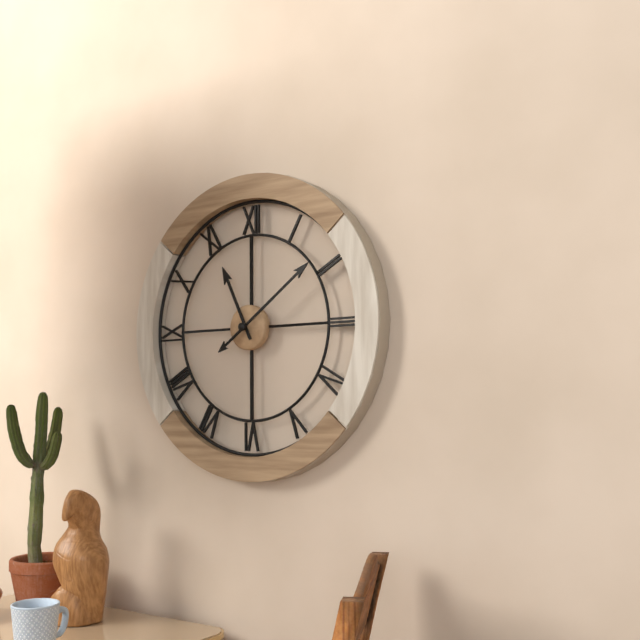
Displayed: 11h09
